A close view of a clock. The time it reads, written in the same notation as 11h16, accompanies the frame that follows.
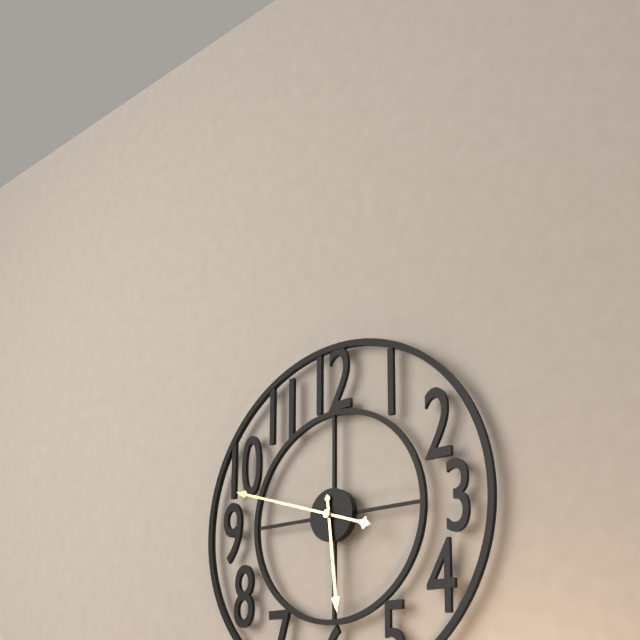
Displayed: 5h48
